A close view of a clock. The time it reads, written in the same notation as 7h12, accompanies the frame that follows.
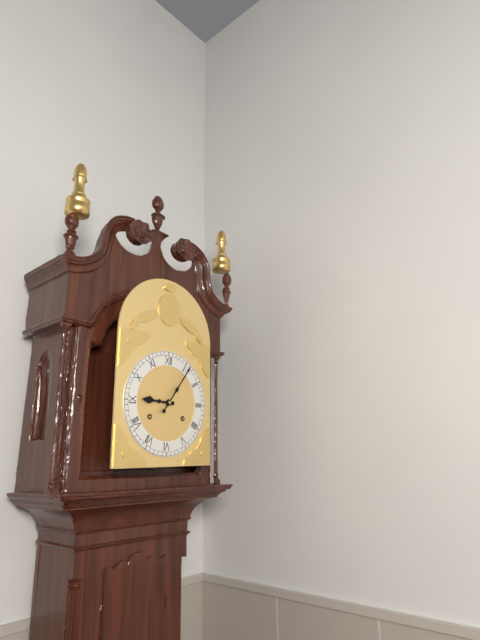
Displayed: 9h06
